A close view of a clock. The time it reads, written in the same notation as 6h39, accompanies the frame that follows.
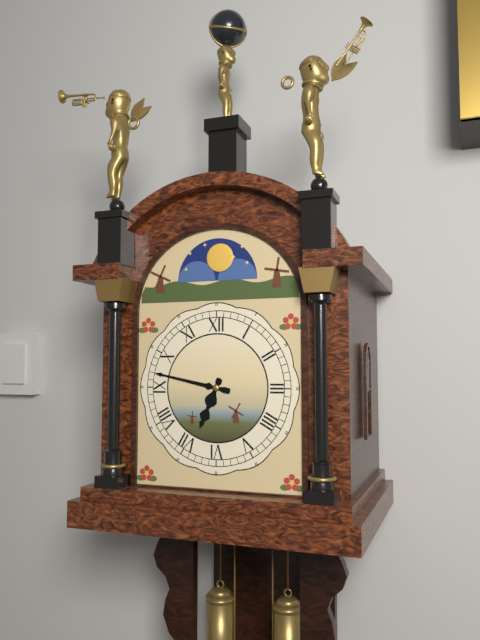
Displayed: 6h47
